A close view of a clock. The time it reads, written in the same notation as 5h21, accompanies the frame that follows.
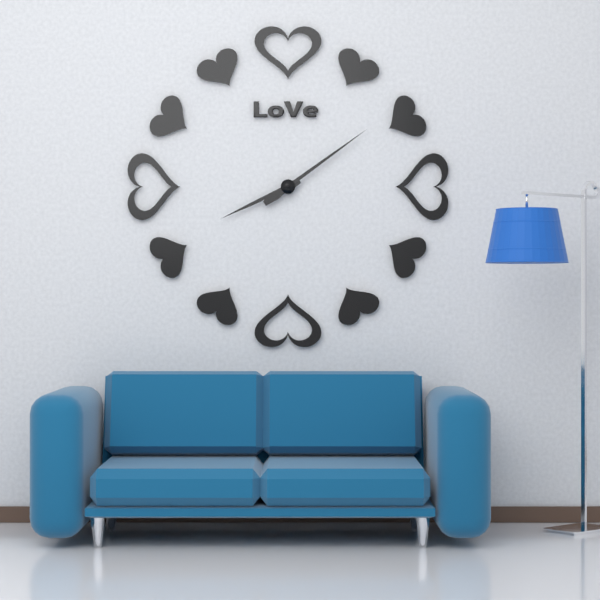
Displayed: 8h09
